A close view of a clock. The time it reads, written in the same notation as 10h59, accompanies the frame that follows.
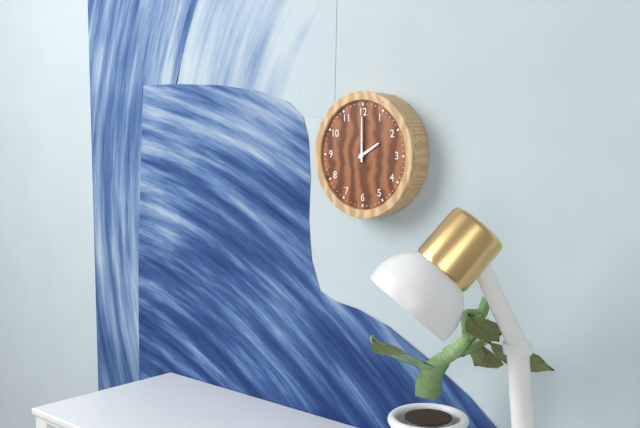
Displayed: 2h00
